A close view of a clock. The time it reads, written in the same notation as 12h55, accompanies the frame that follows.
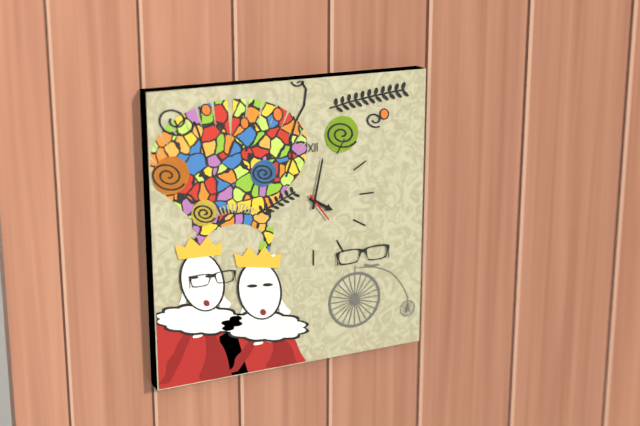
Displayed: 4h02
